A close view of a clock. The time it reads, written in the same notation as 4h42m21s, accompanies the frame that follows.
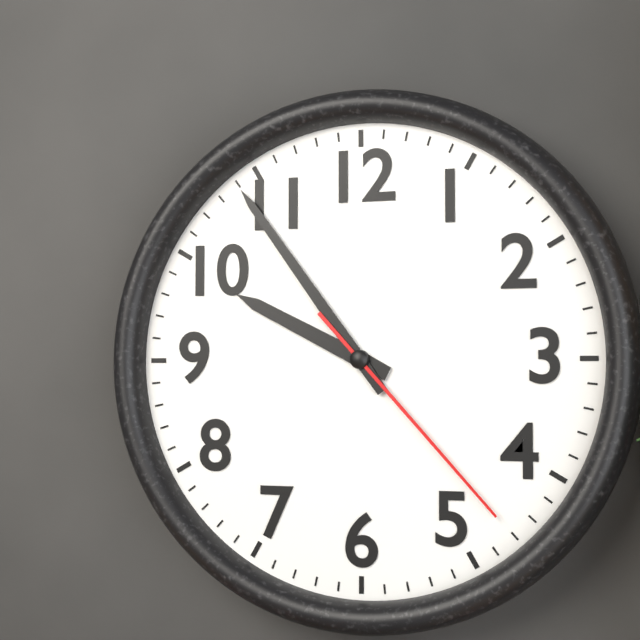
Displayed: 9h54m23s
